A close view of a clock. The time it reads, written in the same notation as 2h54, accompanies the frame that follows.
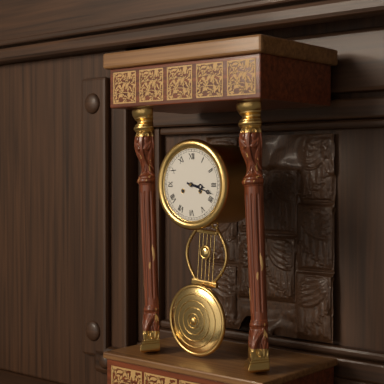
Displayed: 3h18
